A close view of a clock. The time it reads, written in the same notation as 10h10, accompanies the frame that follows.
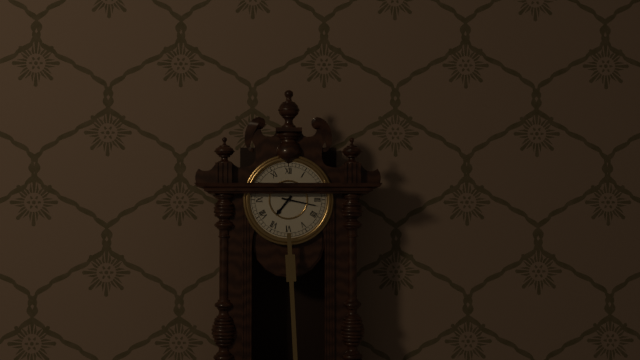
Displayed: 7h17
